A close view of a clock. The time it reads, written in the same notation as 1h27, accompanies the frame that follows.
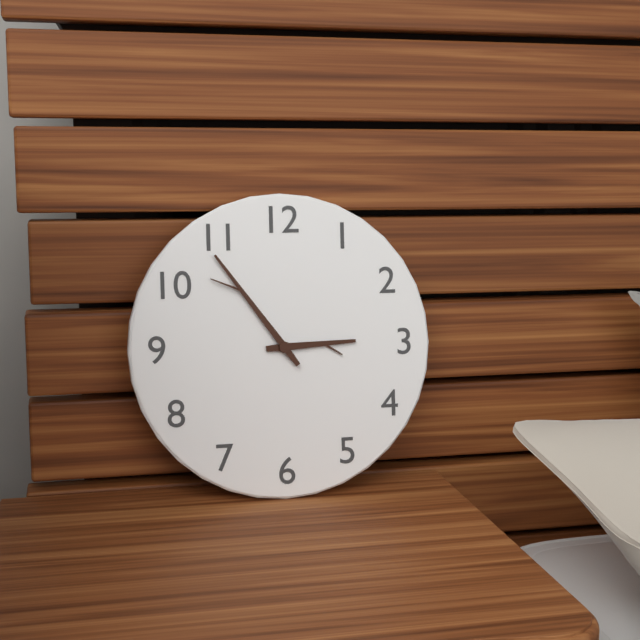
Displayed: 2h54
